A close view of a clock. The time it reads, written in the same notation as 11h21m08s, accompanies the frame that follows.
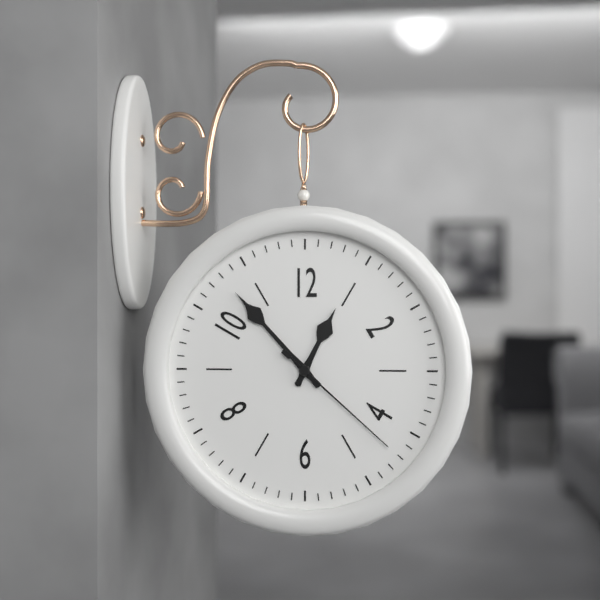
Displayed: 12h53m22s
